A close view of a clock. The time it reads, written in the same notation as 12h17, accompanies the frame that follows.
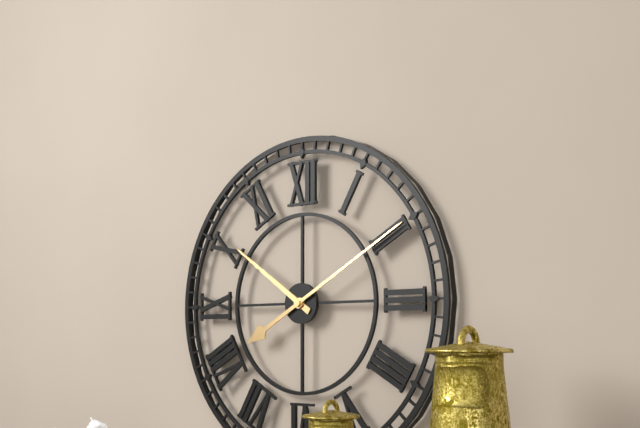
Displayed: 10h10
